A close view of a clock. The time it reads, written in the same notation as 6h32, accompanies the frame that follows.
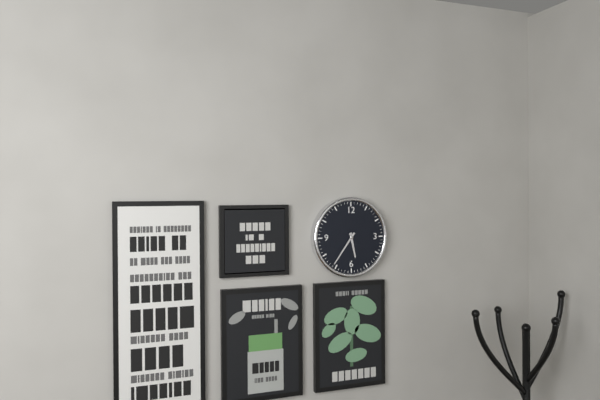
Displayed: 5h36
